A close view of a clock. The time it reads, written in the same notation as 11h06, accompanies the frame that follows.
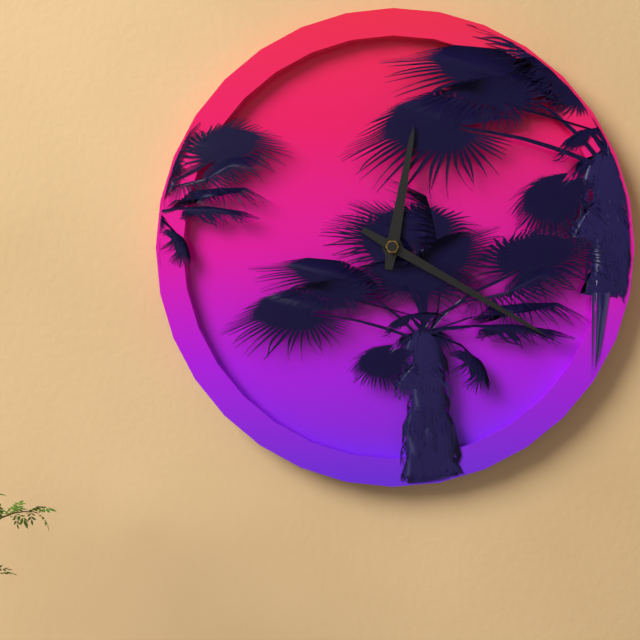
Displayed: 12h20
